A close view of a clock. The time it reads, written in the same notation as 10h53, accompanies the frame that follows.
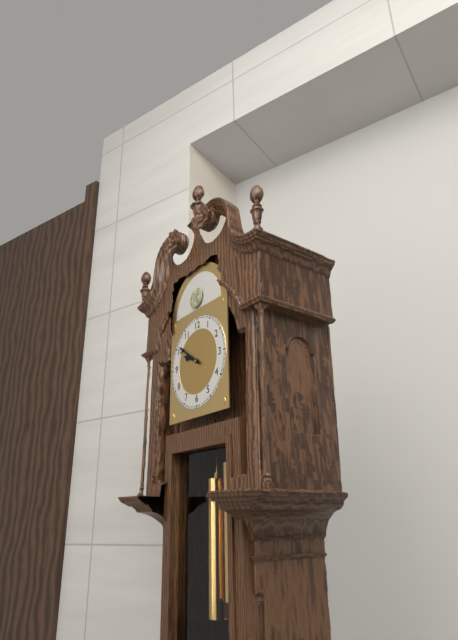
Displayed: 9h51
